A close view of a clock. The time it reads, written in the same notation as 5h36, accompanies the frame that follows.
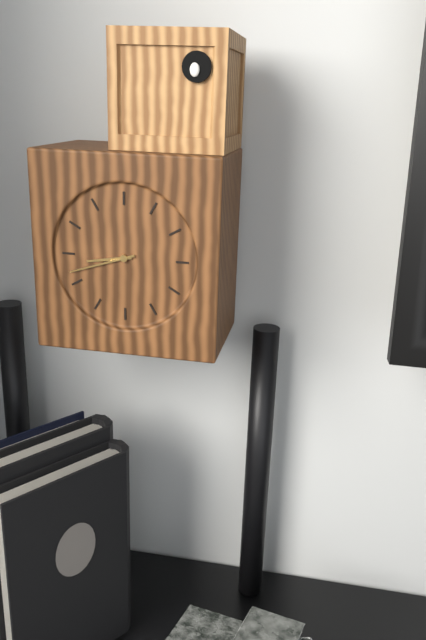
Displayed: 8h42
